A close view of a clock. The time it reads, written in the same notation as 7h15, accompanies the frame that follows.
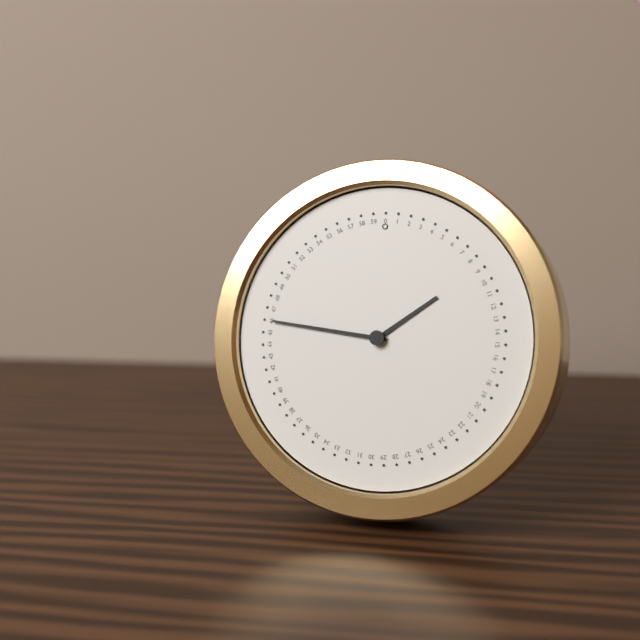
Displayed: 1h46
